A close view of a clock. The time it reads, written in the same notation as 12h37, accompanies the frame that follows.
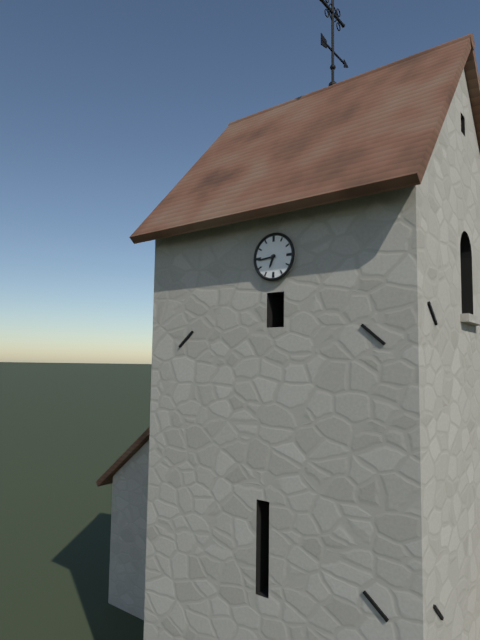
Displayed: 6h44
